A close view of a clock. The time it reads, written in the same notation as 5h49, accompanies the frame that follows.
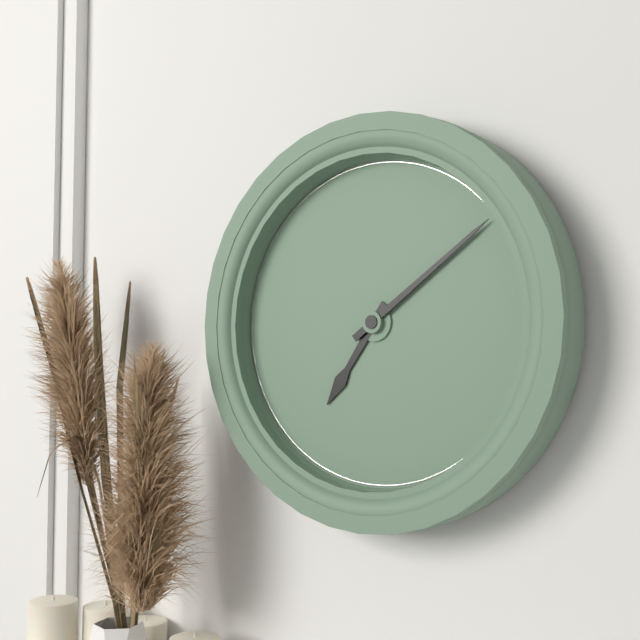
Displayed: 7h09
